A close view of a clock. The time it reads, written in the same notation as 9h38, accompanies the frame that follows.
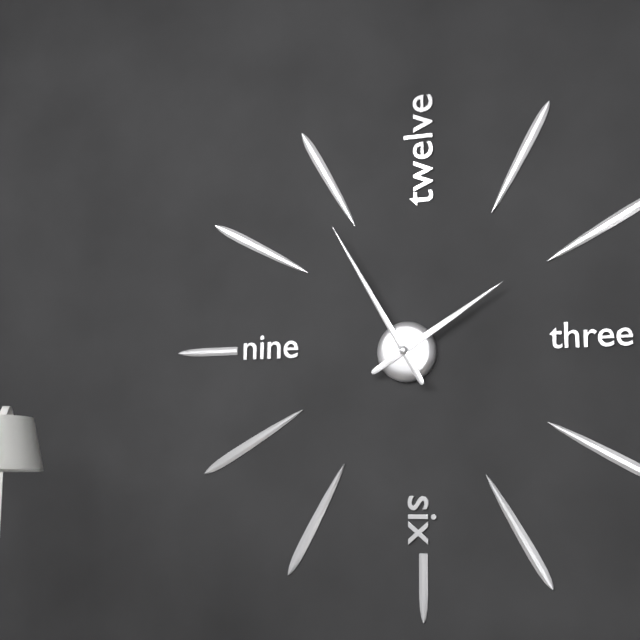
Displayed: 1h55
